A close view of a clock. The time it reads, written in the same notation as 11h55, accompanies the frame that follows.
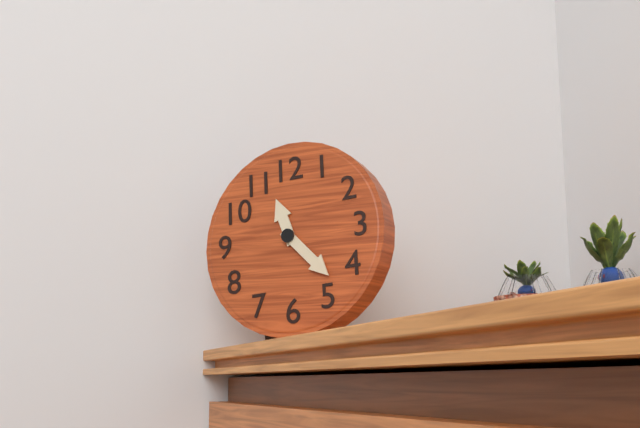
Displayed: 11h23
